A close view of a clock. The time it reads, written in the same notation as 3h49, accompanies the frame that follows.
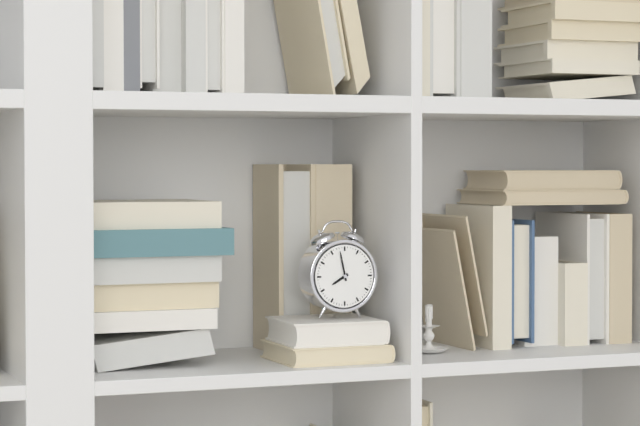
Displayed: 7h58
